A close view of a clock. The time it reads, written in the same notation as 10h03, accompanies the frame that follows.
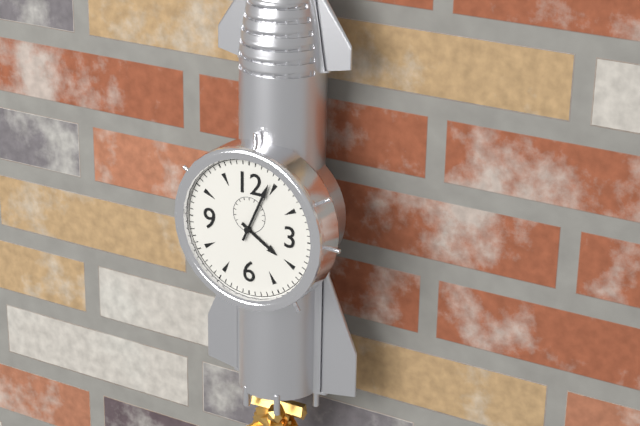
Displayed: 4h04
